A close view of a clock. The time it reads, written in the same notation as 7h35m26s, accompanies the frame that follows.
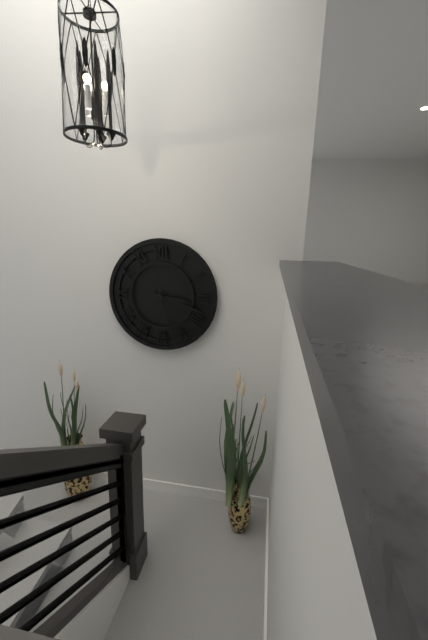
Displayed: 3h18m27s
